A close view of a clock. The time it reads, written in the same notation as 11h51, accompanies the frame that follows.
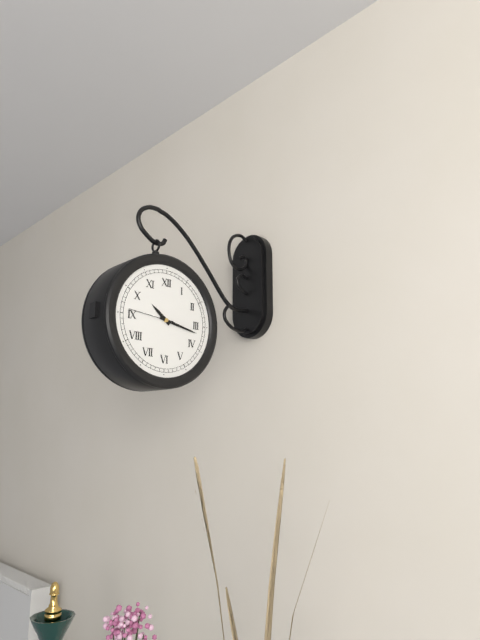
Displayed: 10h17
